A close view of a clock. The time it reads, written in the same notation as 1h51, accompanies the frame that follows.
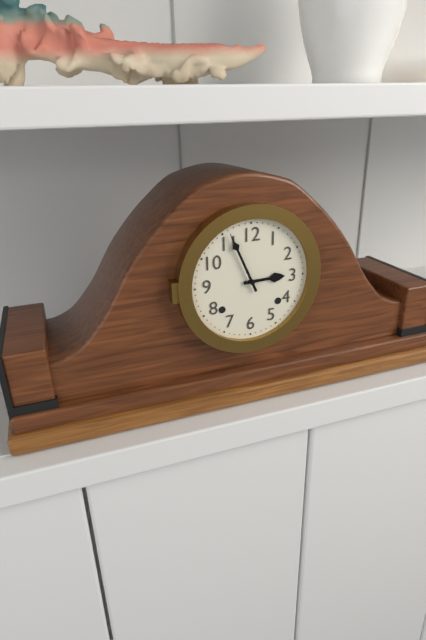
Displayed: 2h56
